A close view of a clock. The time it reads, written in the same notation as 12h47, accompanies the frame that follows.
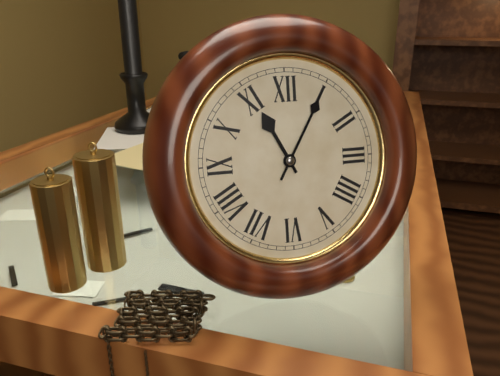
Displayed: 11h05
